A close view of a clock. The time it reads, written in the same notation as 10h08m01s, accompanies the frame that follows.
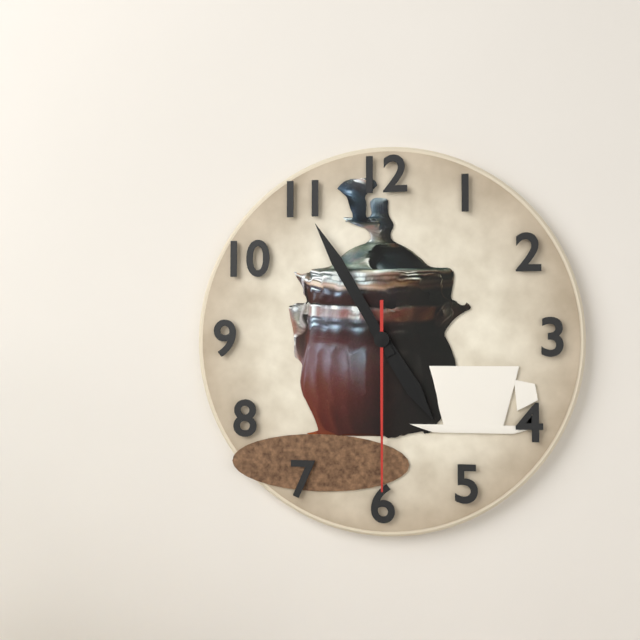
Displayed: 4h55m30s
